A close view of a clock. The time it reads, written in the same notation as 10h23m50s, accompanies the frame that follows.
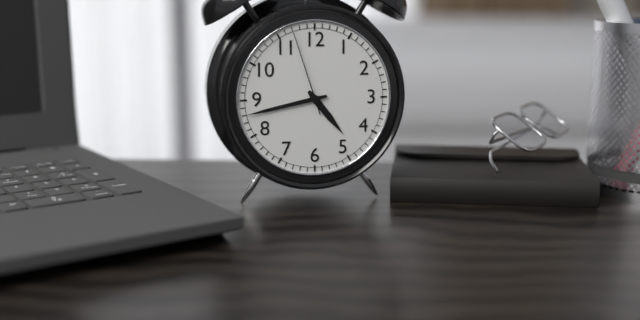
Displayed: 4h43m57s
